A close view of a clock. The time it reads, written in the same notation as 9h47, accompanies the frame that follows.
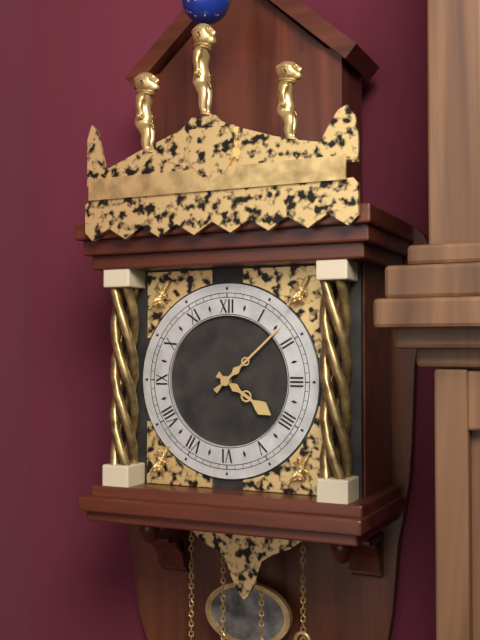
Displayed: 4h08
